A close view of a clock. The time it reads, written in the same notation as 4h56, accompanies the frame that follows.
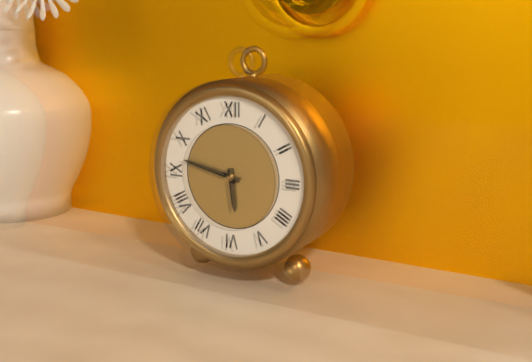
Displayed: 5h47
